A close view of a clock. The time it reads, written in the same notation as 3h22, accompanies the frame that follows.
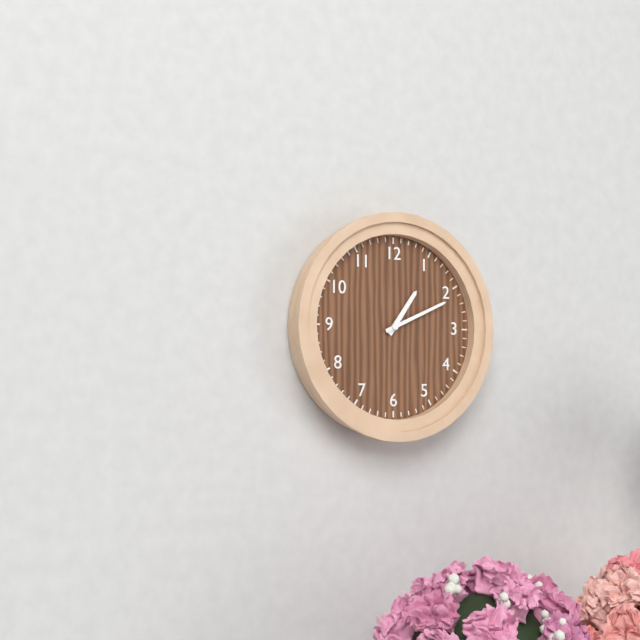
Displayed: 1h11
